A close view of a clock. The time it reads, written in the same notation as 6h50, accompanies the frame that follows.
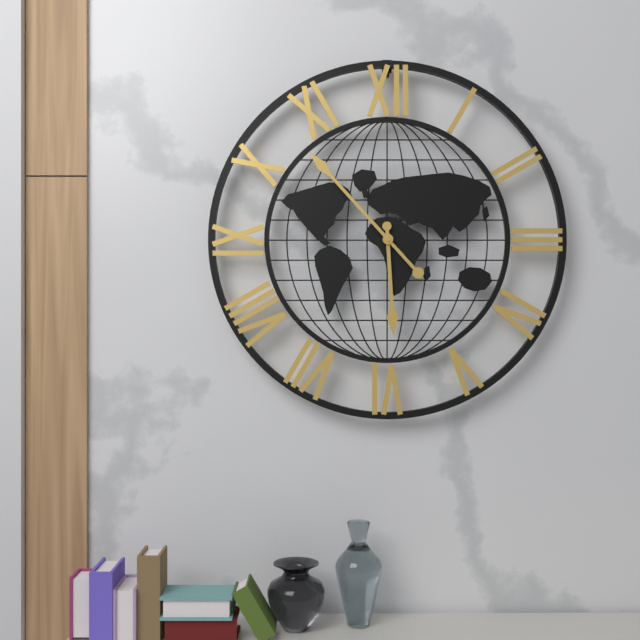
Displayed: 5h53
